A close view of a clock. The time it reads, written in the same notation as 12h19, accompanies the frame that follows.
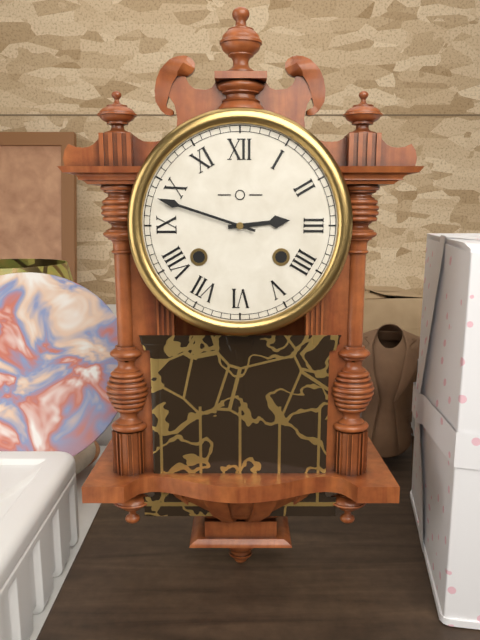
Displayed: 2h48
